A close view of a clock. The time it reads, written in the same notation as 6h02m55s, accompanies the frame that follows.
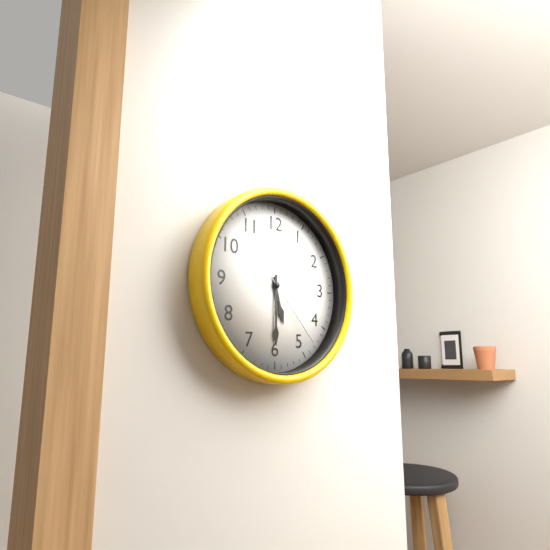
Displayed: 5h30m23s
